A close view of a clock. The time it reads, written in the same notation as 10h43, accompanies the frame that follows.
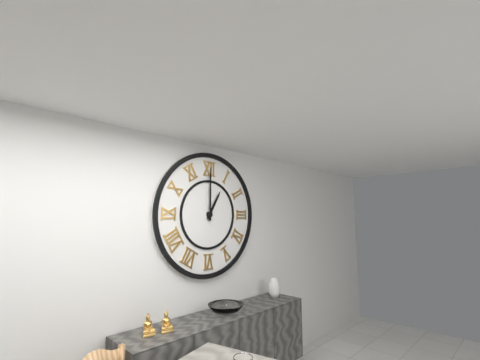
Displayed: 1h00
